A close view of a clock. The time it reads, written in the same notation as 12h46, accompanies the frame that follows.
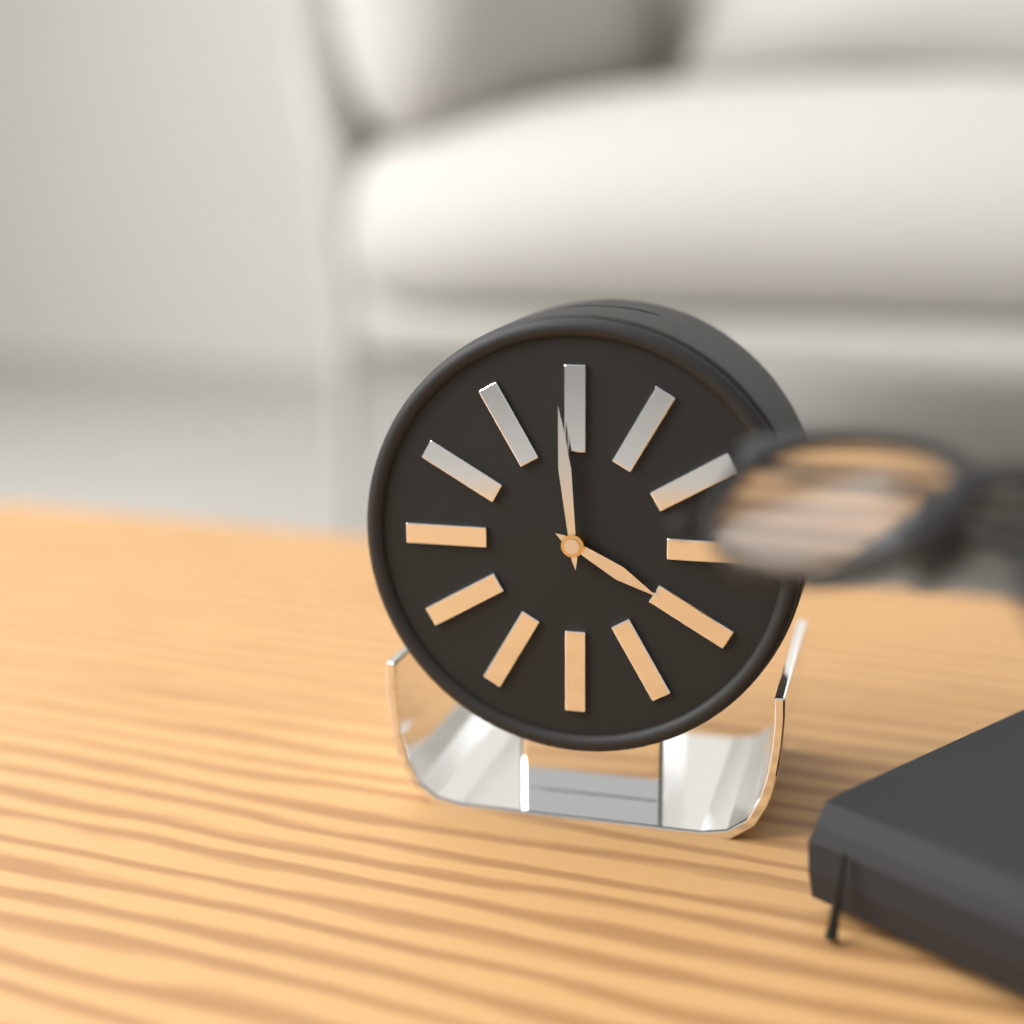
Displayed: 3h59
